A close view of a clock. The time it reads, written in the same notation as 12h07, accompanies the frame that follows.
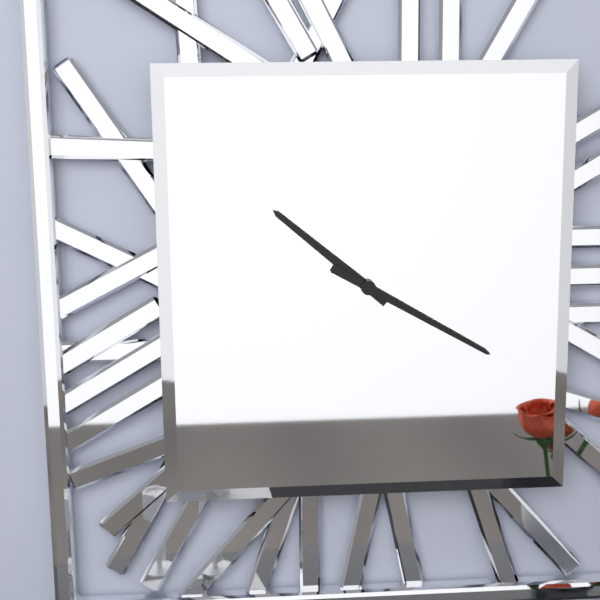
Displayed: 10h20
